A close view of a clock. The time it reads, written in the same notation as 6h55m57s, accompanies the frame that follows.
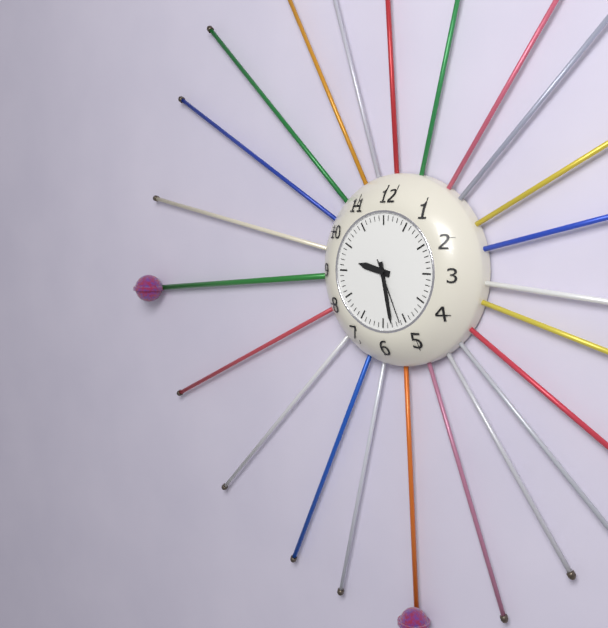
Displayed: 9h28m26s
